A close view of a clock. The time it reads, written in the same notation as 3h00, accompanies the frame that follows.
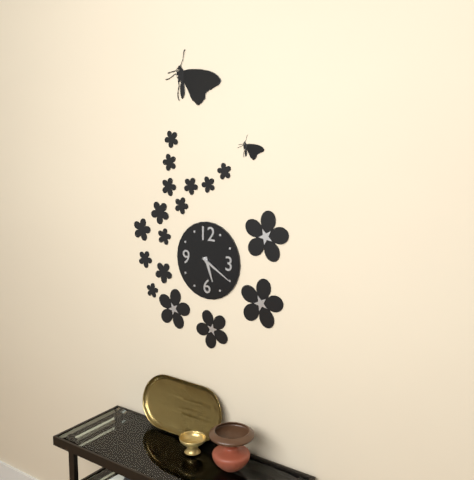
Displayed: 5h20
